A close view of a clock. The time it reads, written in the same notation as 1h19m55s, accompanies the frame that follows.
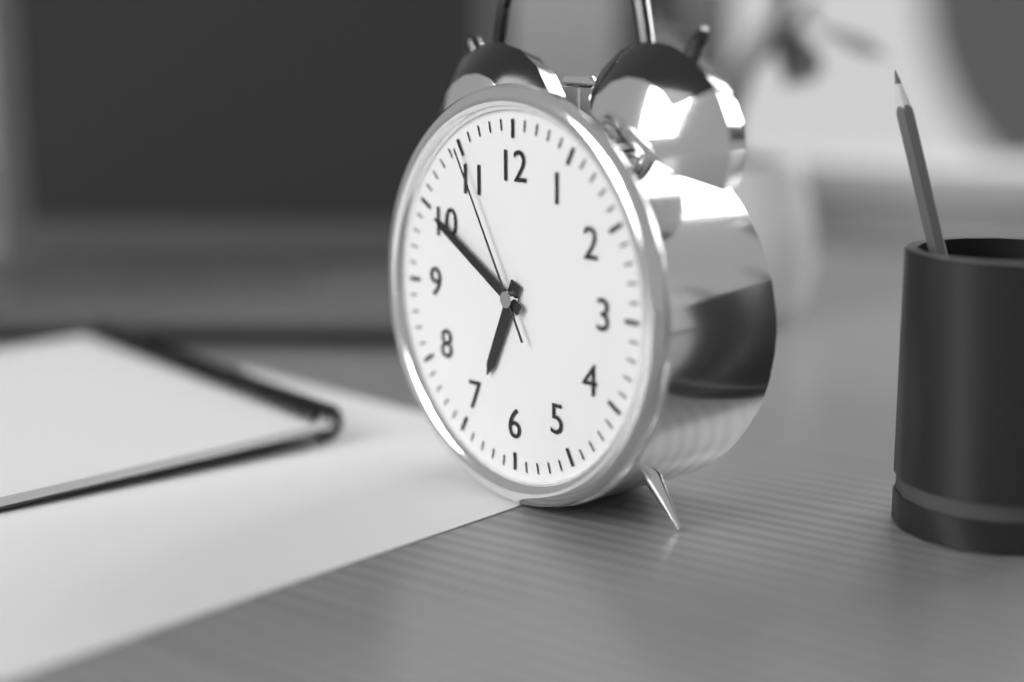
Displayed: 6h50m55s
